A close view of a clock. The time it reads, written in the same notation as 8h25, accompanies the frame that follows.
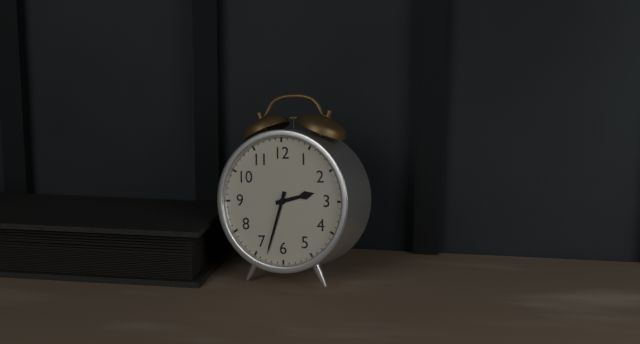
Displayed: 2h33
